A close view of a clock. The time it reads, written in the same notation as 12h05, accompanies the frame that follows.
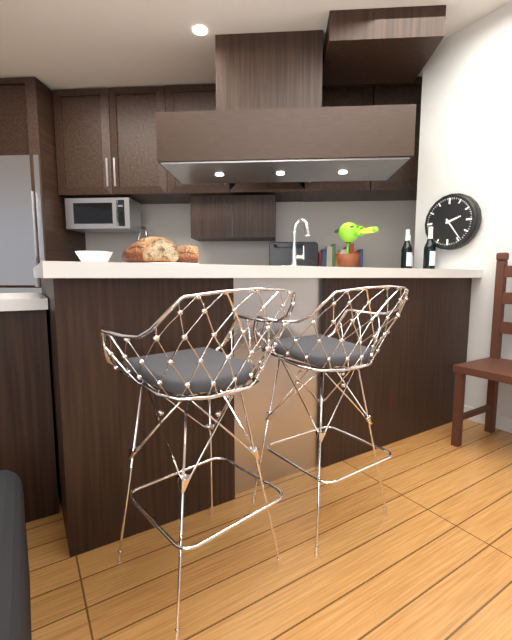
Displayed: 2h24
